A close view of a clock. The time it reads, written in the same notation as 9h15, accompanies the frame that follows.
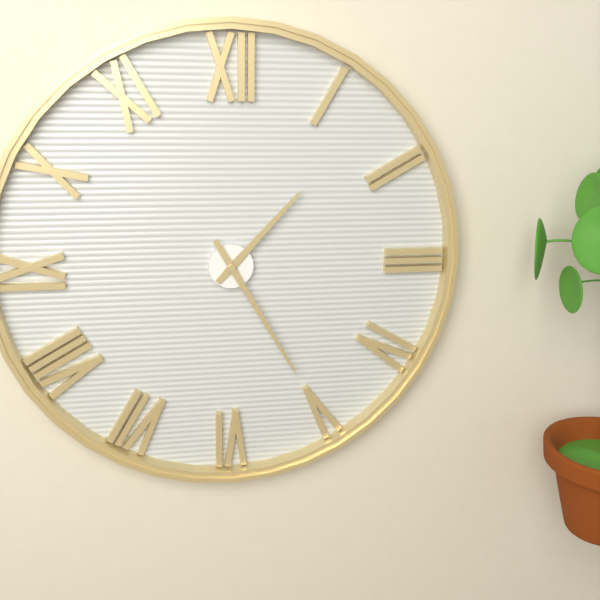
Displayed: 1h25
